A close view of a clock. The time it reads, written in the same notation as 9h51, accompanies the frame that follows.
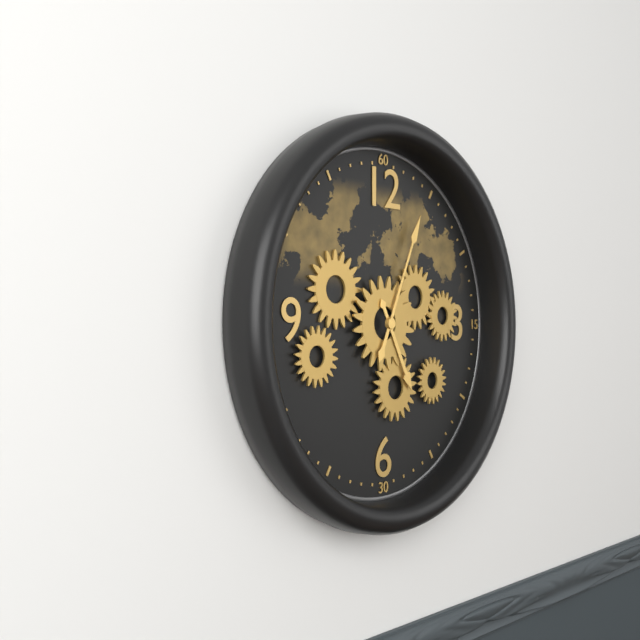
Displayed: 5h04
